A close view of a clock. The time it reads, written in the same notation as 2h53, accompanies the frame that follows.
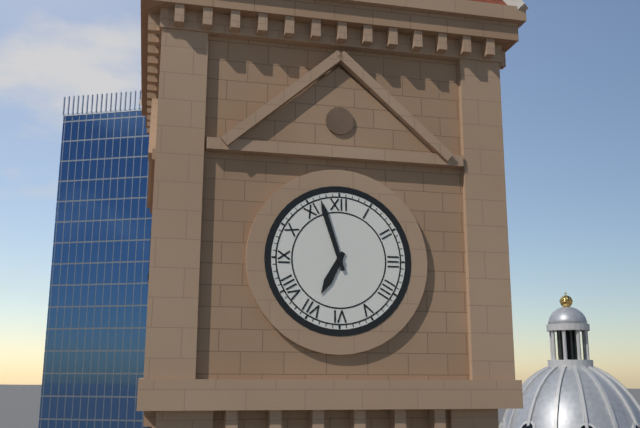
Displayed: 6h57
